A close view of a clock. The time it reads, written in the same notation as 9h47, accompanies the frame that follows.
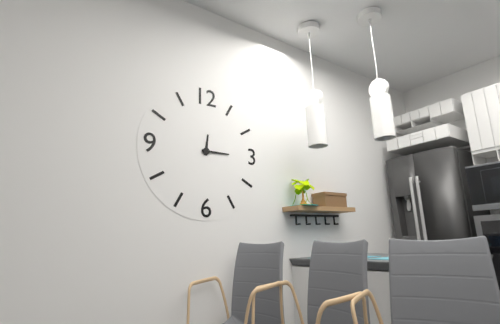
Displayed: 12h15
